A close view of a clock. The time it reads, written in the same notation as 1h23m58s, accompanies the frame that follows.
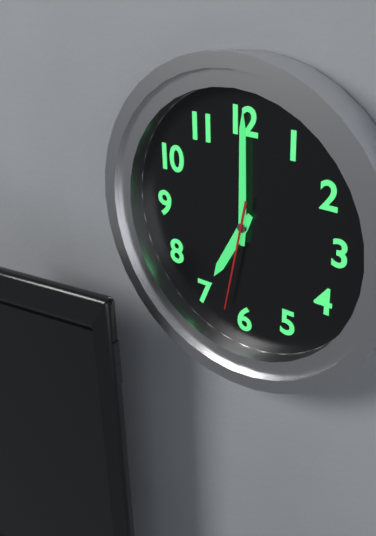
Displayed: 7h00m32s
